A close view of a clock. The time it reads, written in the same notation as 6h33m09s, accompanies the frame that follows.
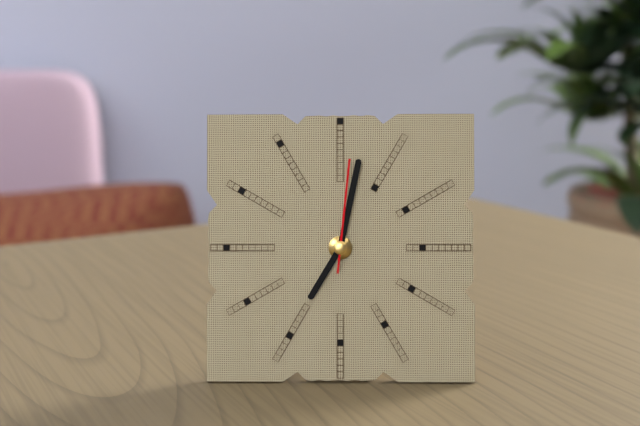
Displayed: 7h02m01s
